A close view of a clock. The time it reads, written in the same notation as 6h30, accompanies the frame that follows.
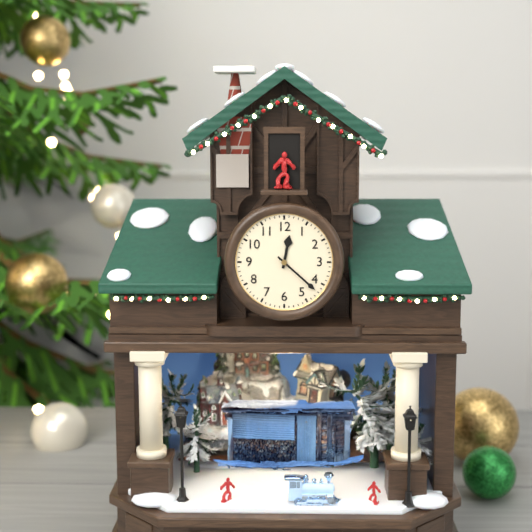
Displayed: 12h22
